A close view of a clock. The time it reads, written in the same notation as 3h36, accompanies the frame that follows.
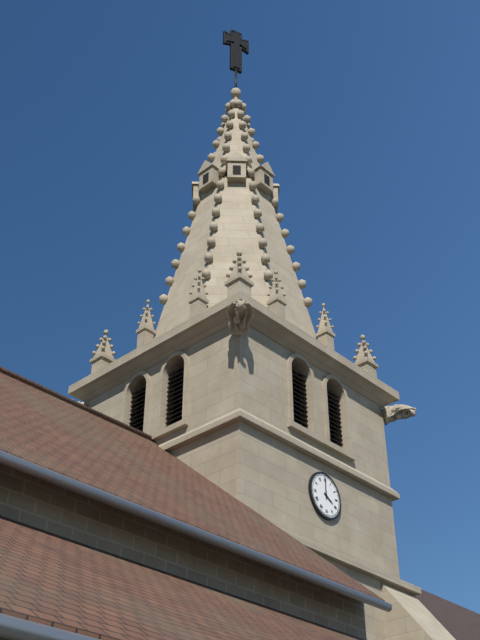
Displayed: 4h00
